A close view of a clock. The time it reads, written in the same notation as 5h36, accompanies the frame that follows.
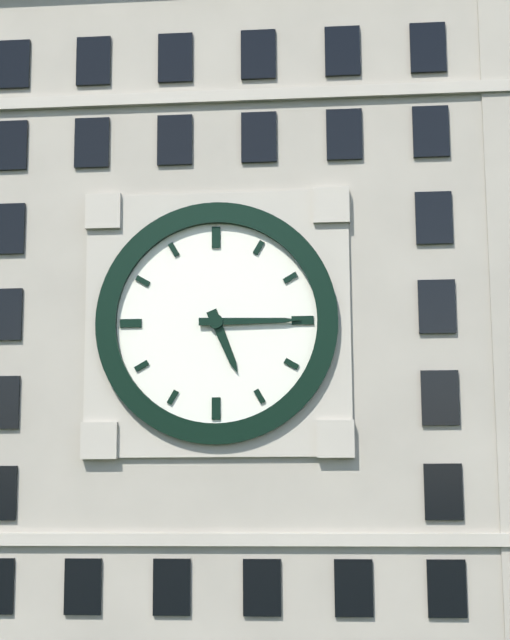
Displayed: 5h15
